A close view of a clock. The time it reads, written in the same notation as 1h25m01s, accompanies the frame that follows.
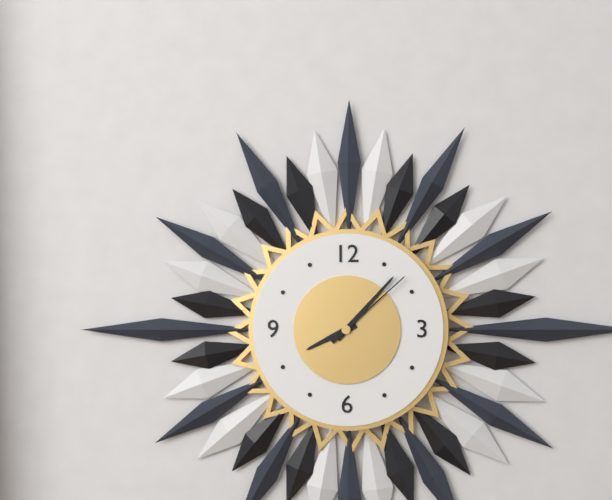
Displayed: 8h07m08s
